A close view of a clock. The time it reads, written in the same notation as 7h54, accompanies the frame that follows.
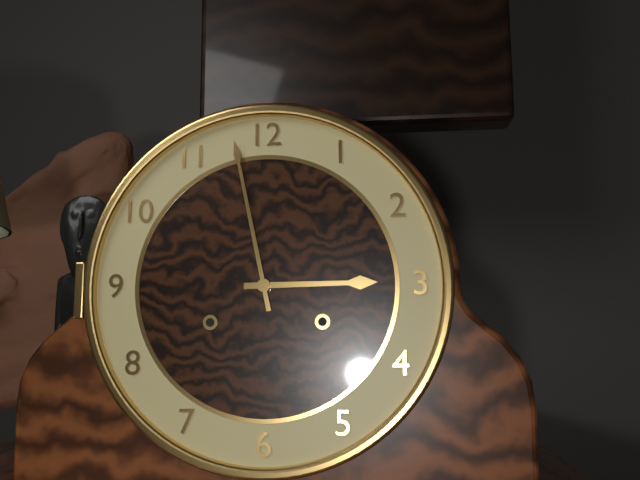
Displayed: 2h58
